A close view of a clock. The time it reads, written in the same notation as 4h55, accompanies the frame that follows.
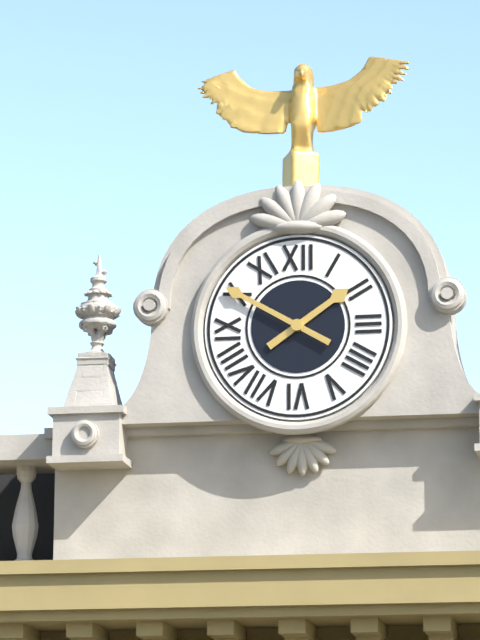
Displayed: 1h50
